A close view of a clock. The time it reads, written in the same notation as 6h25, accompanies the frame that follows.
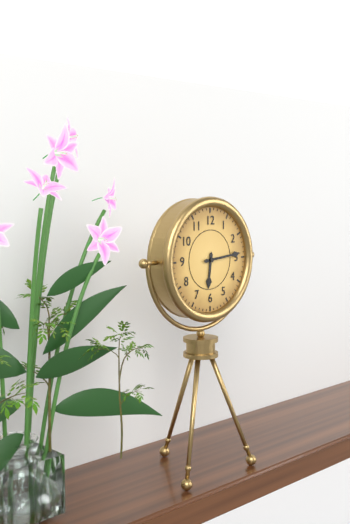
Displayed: 6h14
